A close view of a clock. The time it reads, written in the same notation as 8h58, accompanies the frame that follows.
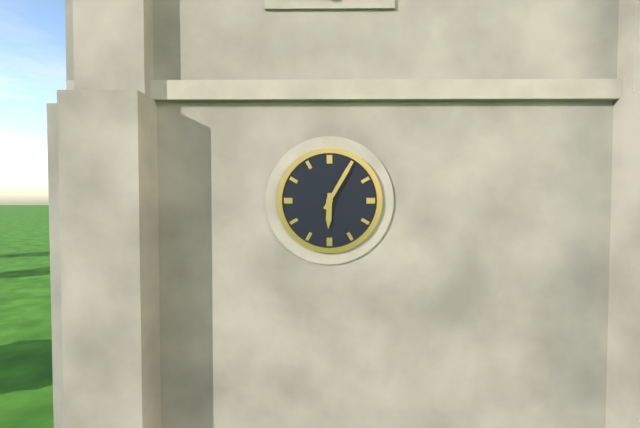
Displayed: 6h05
